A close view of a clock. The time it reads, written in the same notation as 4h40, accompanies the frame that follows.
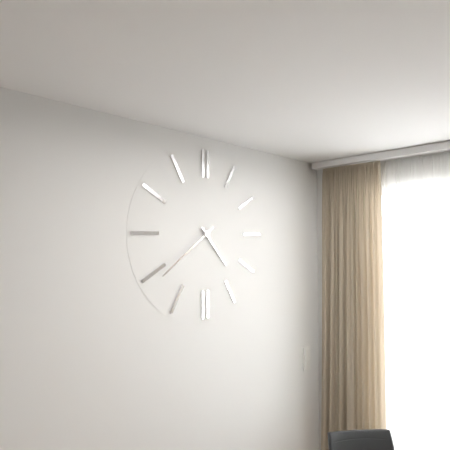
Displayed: 4h39
